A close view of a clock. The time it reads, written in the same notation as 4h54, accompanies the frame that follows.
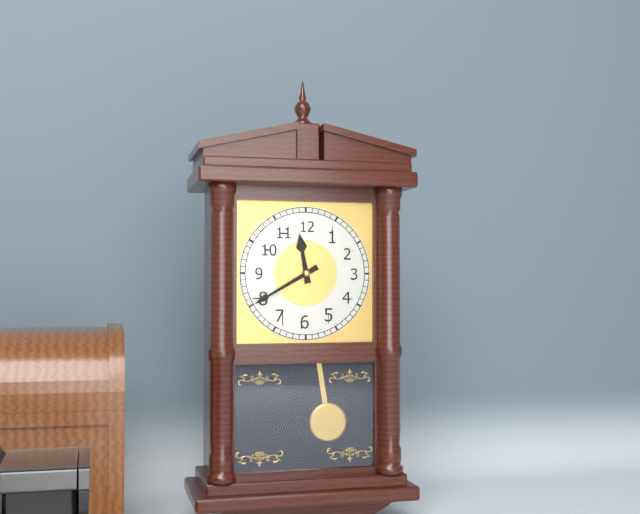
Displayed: 11h40
